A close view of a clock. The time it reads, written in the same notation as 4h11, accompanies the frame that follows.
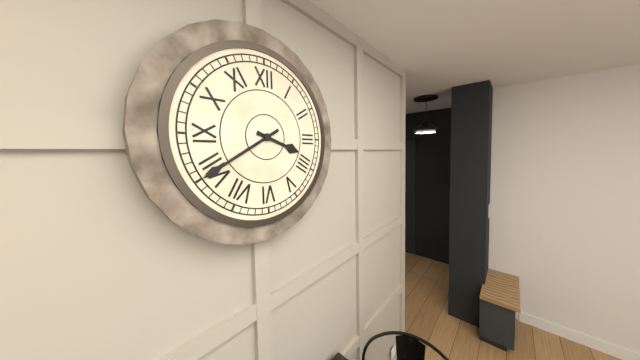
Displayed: 3h40
